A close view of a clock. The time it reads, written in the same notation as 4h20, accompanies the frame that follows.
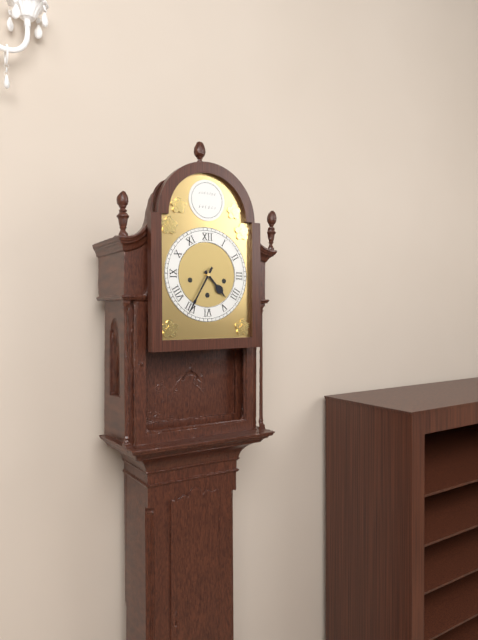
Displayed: 4h35
